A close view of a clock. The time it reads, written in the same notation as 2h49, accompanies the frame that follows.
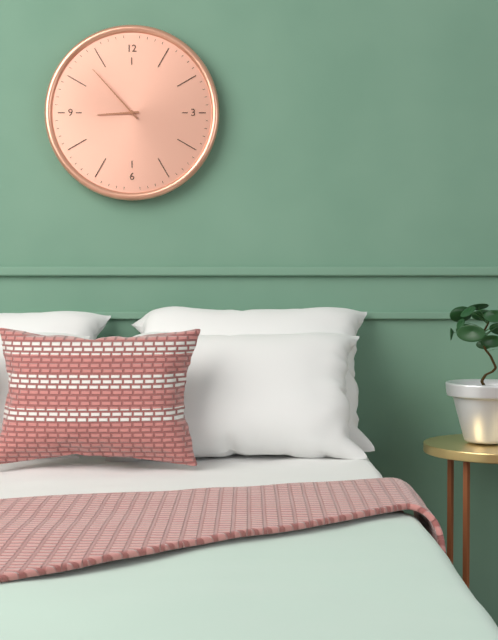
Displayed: 8h53
